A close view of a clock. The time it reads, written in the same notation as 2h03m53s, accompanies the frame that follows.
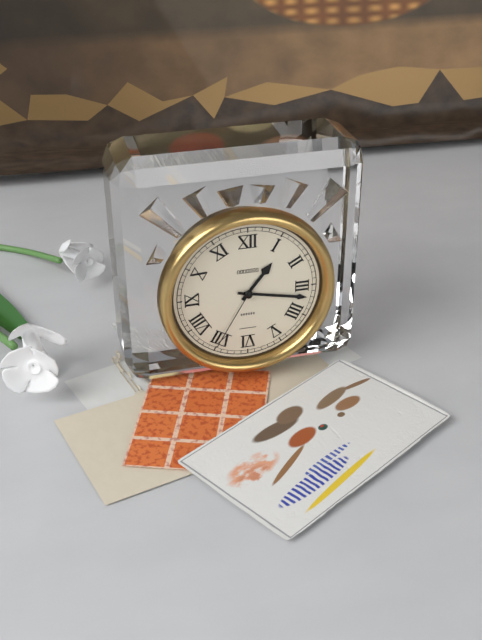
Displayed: 1h17m35s
